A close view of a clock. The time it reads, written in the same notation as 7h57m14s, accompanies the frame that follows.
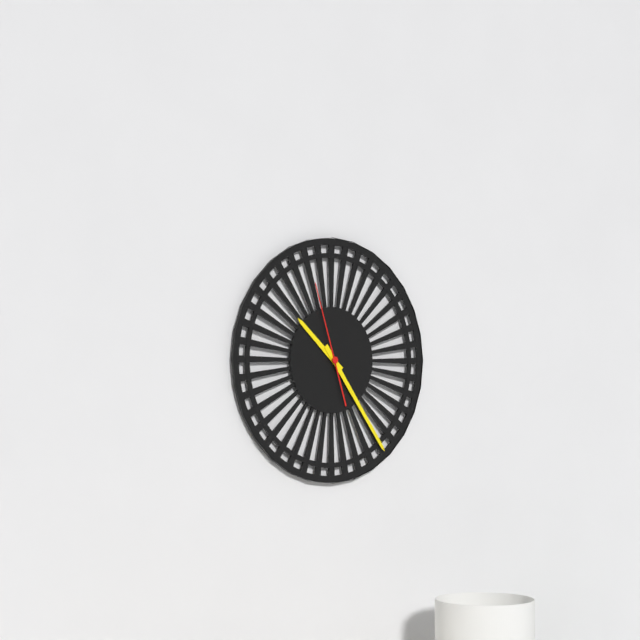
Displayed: 10h24m57s
